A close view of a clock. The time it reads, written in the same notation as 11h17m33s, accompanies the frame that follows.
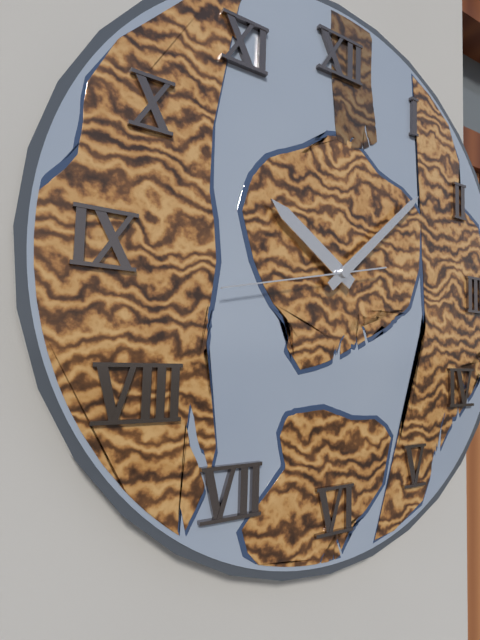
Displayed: 10h08m43s
